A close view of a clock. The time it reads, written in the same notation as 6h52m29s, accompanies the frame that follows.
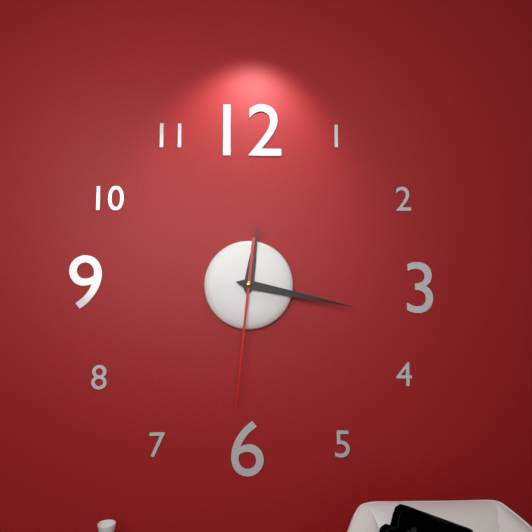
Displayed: 12h17m31s
